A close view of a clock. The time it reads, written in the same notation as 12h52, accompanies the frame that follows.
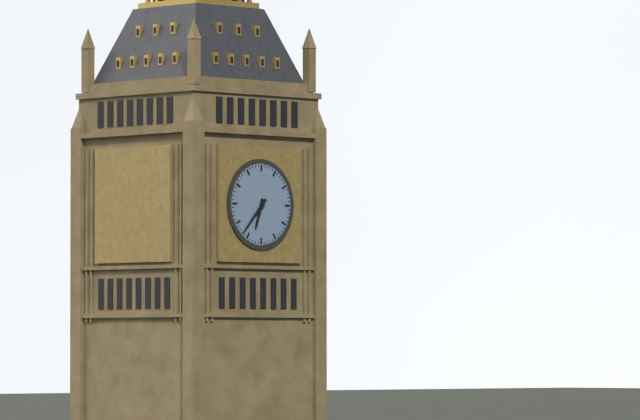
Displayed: 6h37
